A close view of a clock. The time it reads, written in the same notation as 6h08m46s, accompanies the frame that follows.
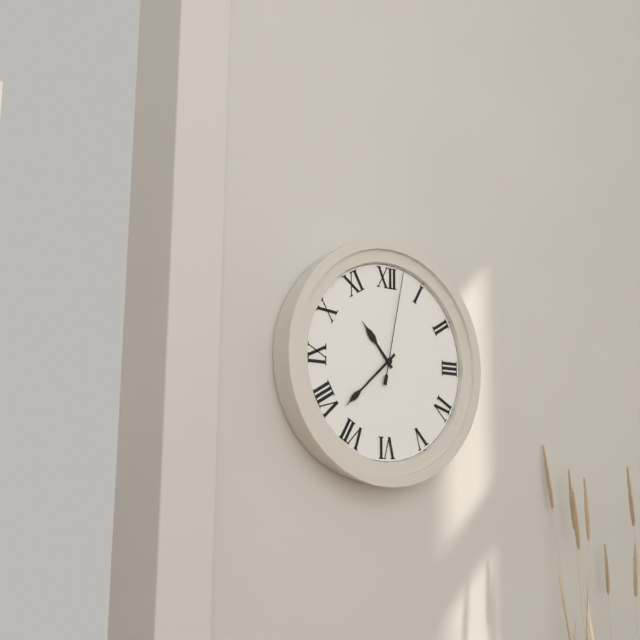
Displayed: 10h38m02s
